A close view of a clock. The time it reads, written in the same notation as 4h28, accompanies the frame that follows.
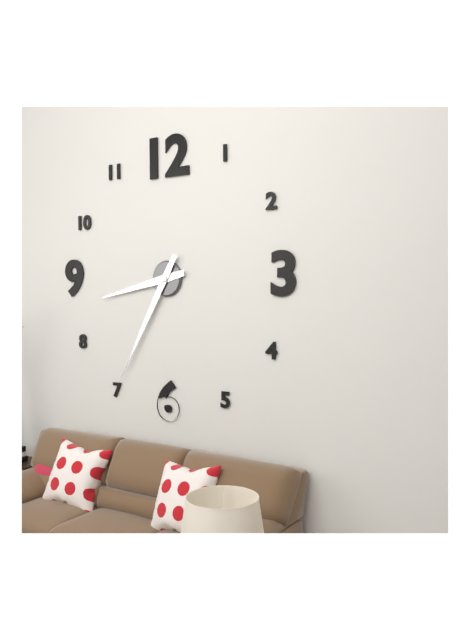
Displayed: 8h35
